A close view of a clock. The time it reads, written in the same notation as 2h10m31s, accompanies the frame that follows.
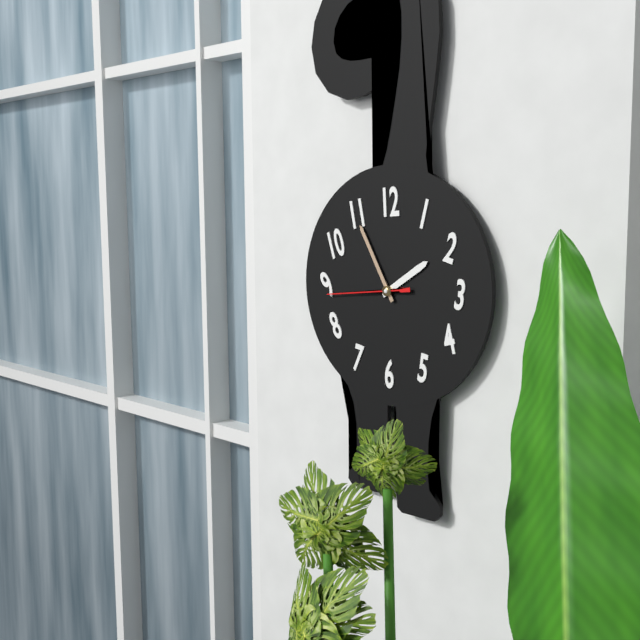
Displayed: 1h55m44s
